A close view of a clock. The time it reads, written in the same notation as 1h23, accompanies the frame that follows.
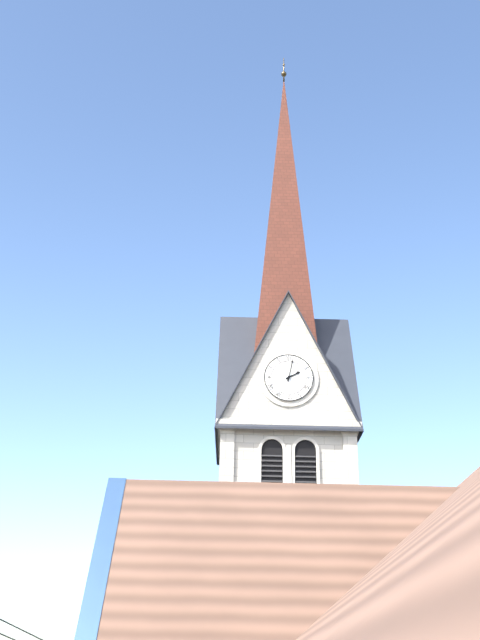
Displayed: 2h02
